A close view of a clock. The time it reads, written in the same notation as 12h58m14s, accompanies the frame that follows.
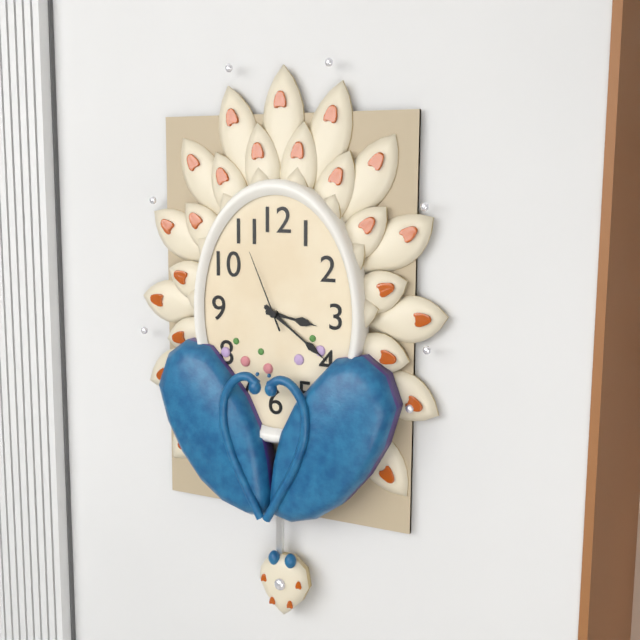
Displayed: 3h21m56s
